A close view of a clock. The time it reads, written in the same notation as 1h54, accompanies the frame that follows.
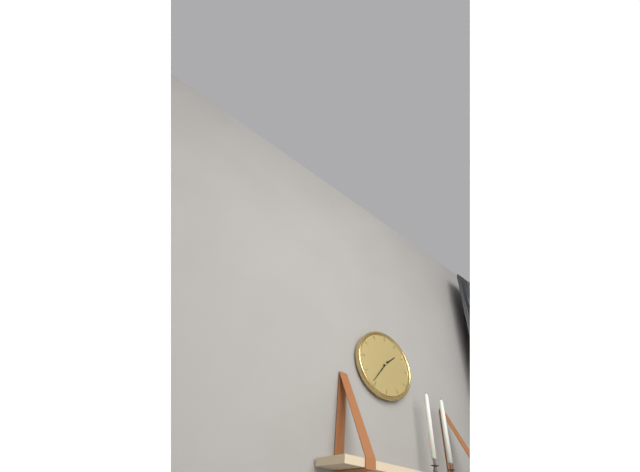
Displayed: 1h36
